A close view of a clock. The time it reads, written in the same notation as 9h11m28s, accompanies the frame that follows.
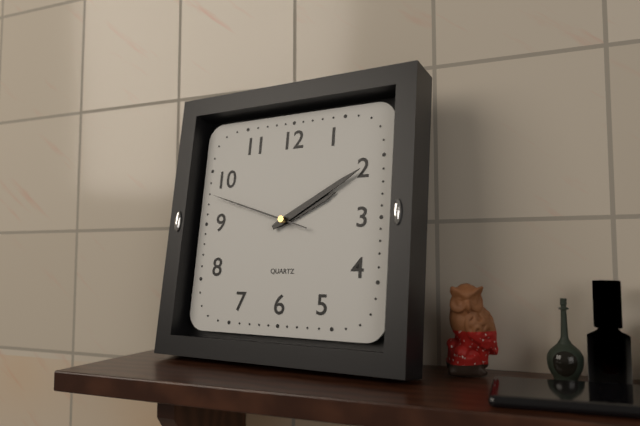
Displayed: 2h10m48s
